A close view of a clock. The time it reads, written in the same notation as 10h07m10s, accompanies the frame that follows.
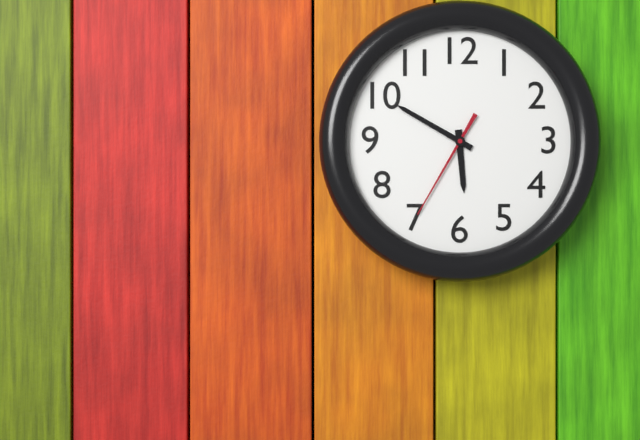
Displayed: 5h50m35s
